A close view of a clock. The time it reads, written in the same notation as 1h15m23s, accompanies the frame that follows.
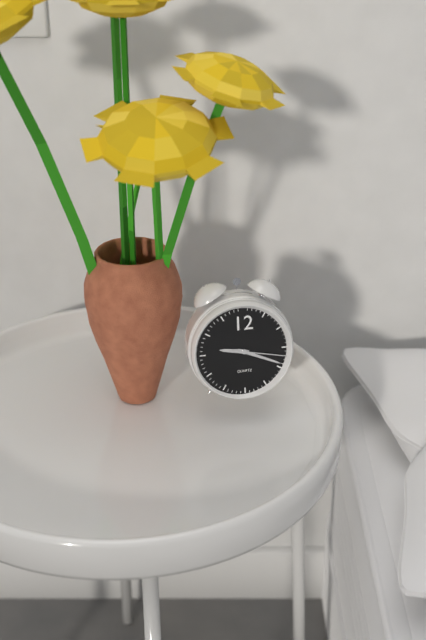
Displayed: 9h19m17s
